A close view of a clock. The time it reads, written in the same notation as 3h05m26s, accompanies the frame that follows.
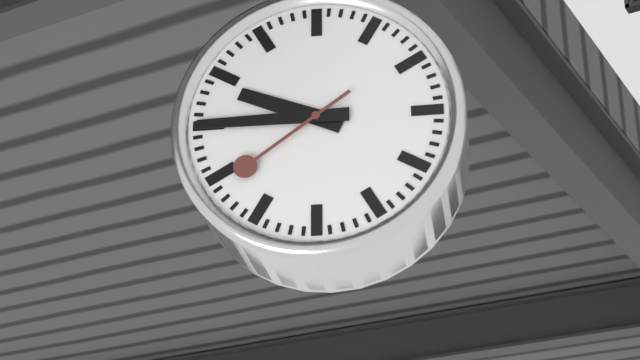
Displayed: 9h45m39s
